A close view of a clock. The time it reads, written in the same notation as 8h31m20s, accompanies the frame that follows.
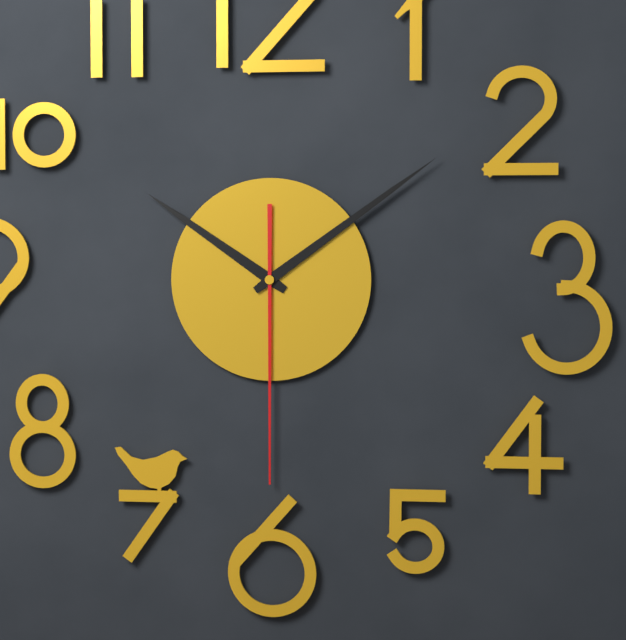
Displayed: 10h09m30s
